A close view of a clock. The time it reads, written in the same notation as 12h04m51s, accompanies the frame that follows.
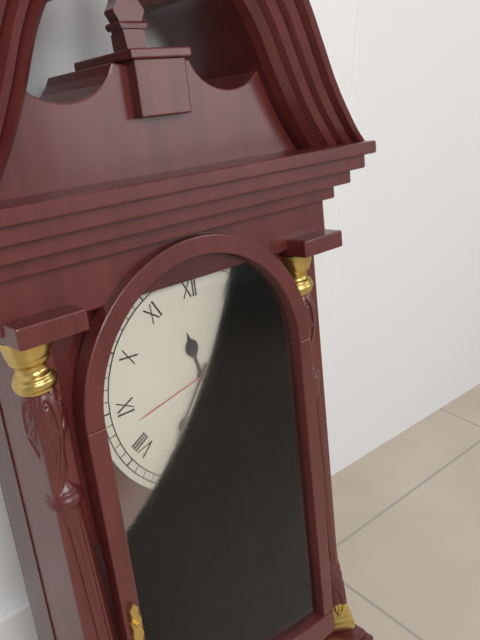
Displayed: 11h36m43s
